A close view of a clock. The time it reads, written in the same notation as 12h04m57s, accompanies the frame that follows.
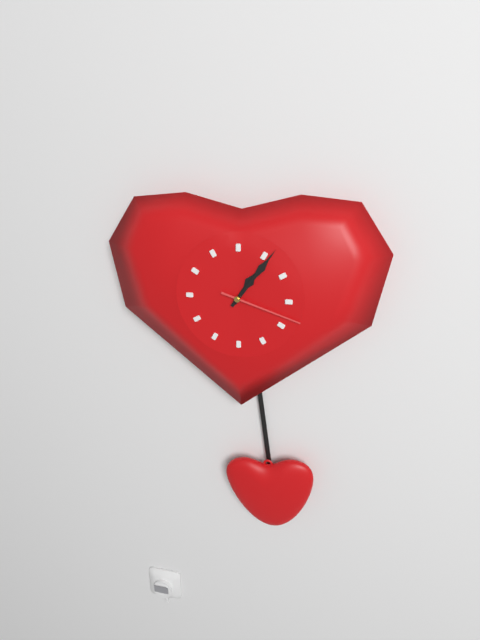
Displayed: 1h06m18s
